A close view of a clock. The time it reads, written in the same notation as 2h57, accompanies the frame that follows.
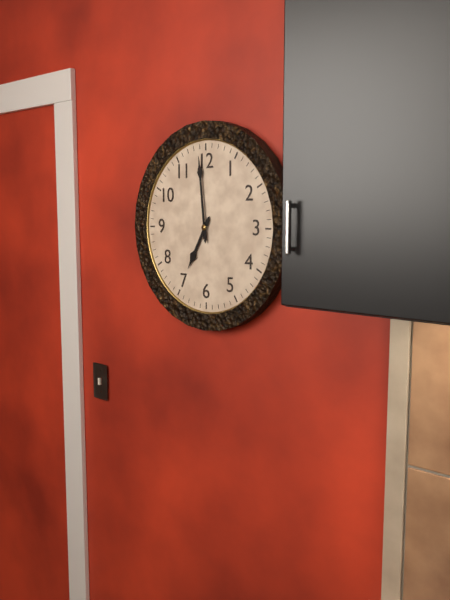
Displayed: 6h59
